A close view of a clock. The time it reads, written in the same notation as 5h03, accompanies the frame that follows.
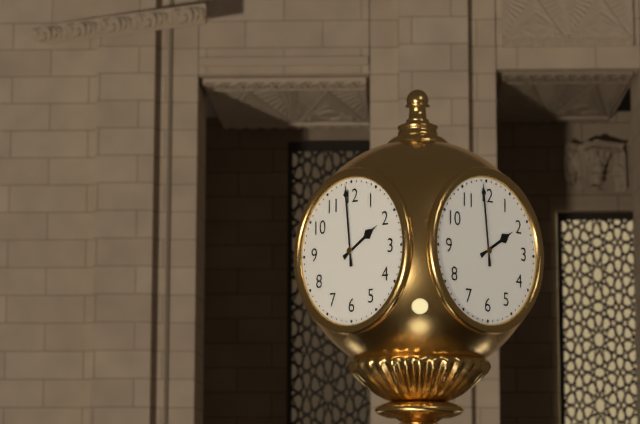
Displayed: 1h59
